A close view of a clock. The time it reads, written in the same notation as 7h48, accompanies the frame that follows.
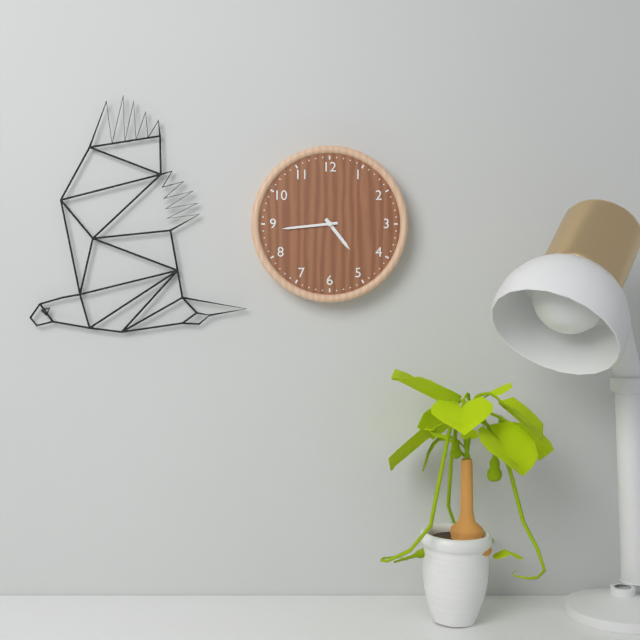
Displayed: 4h44
